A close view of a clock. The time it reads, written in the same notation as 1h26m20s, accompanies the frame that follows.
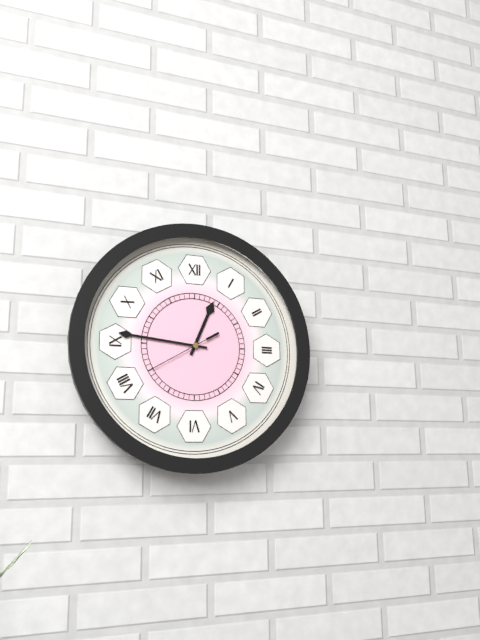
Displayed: 12h46m40s
